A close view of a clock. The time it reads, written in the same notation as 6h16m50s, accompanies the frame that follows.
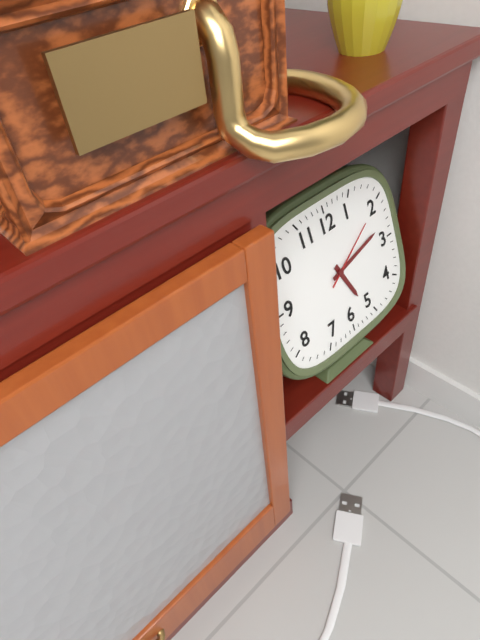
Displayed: 5h13m10s
